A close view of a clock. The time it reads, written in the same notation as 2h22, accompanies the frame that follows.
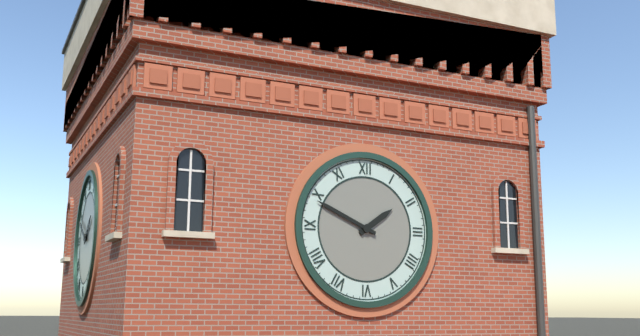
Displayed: 1h49
